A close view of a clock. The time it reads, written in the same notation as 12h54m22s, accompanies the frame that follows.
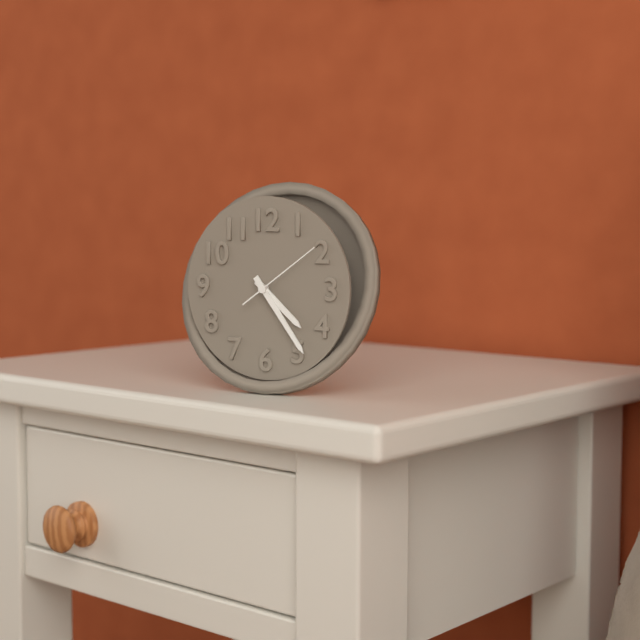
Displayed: 4h24m09s
